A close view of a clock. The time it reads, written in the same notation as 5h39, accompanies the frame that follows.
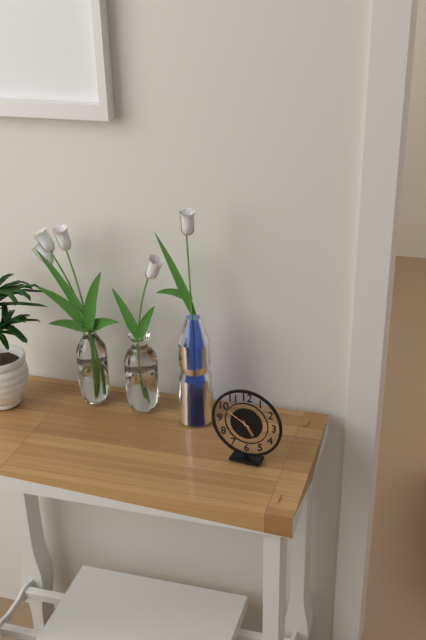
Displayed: 4h50
